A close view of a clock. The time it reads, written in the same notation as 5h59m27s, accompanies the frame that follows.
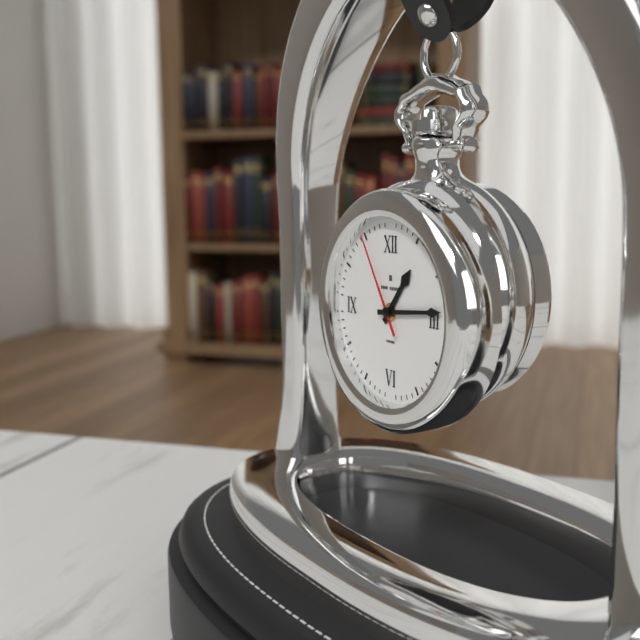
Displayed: 1h14m55s
